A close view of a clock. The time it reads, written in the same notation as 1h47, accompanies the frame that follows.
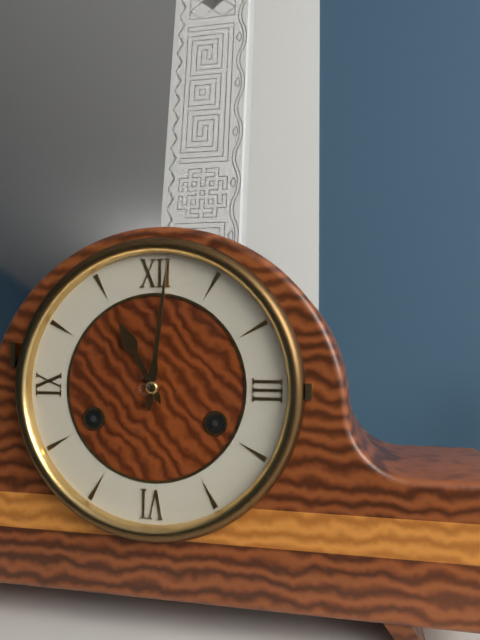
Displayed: 11h01
